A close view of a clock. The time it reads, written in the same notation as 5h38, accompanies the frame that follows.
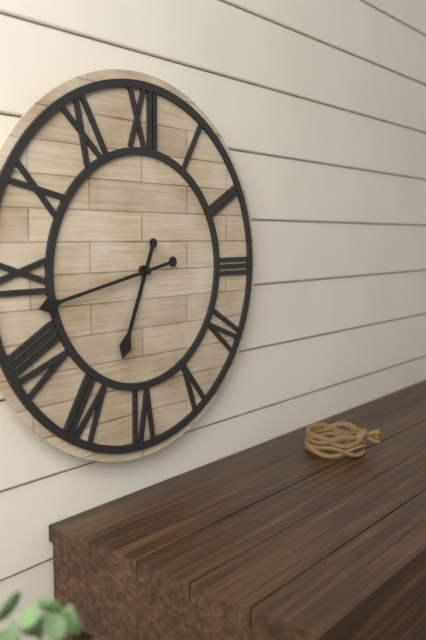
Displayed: 6h43
